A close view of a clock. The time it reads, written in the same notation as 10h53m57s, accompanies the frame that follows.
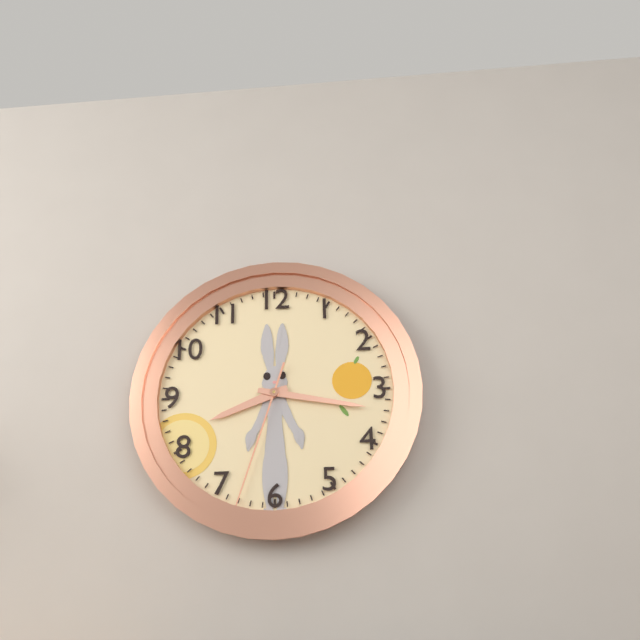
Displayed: 8h17m33s
